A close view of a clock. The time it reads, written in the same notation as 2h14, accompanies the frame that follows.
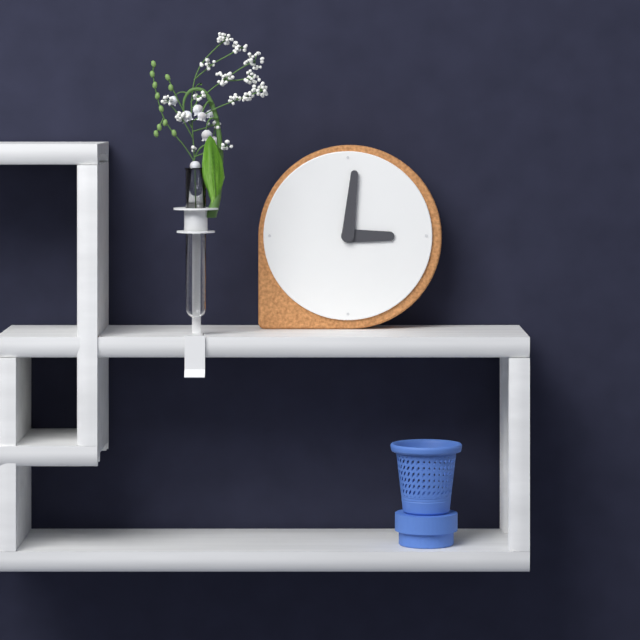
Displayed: 3h01
